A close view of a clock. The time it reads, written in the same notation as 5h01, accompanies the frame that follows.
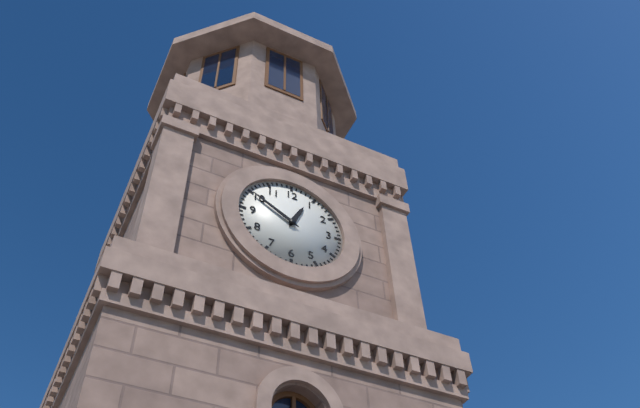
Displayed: 12h50
